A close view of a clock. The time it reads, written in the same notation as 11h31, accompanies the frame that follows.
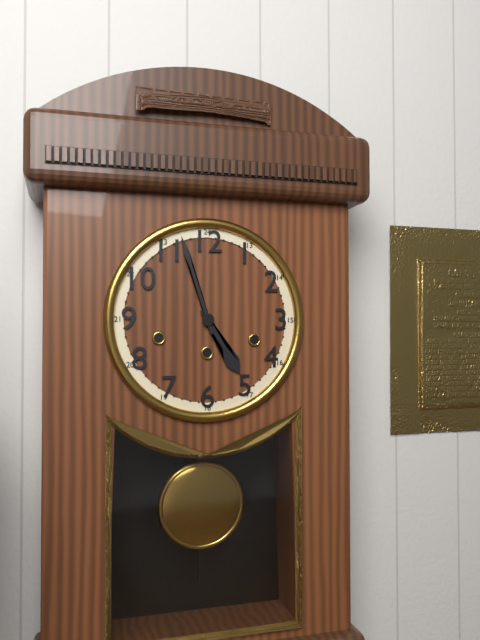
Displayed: 4h57
